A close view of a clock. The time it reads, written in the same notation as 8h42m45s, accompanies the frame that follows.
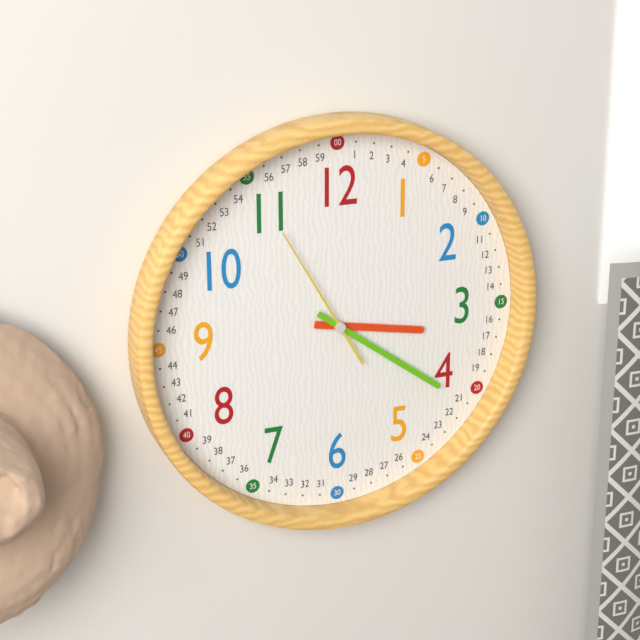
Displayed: 3h21m55s
